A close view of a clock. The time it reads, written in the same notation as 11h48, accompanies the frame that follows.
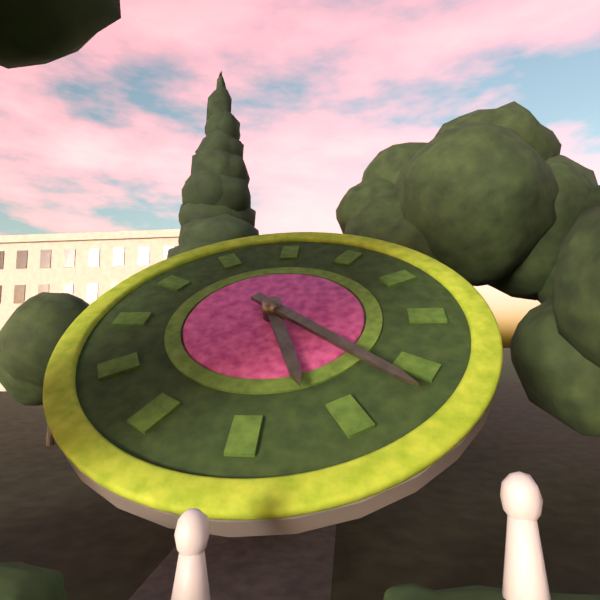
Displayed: 5h22
